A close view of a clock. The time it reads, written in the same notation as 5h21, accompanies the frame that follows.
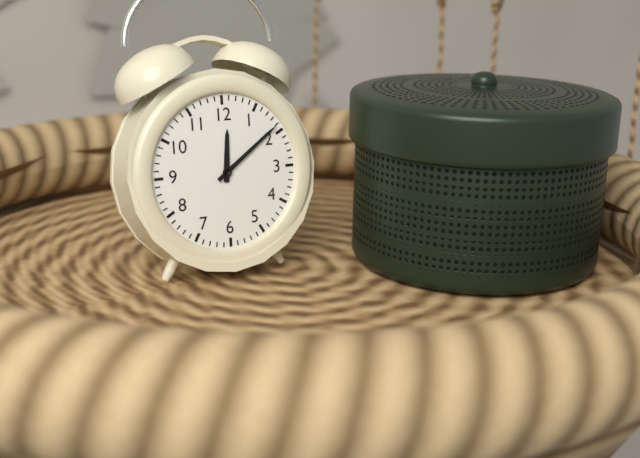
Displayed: 12h09
